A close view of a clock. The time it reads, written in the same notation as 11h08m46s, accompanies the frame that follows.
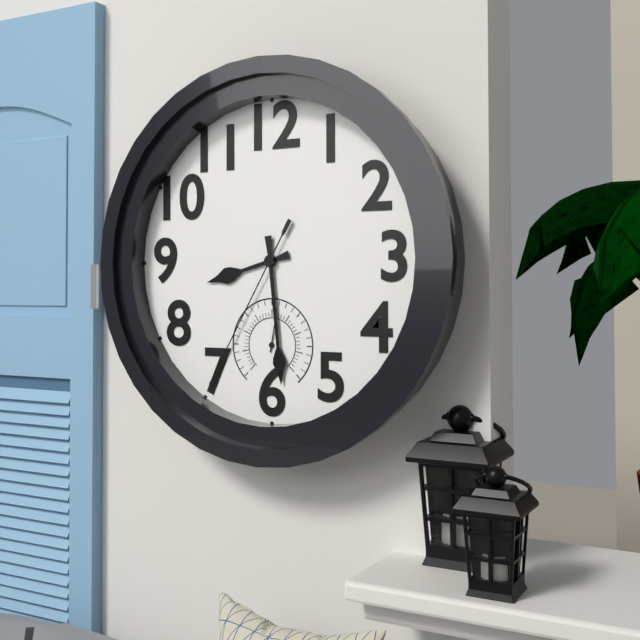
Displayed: 8h29m35s
